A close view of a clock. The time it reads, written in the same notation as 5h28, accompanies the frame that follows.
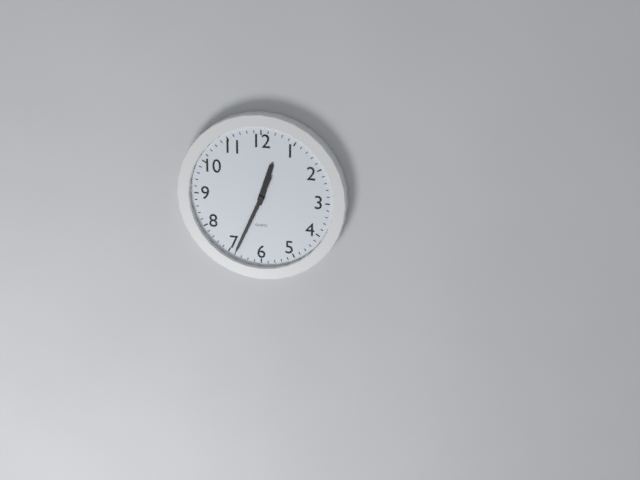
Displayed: 12h34
